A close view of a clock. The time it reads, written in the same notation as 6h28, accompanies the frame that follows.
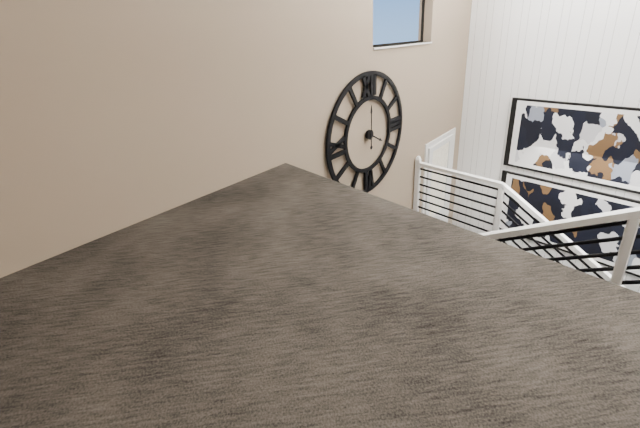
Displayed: 4h00
